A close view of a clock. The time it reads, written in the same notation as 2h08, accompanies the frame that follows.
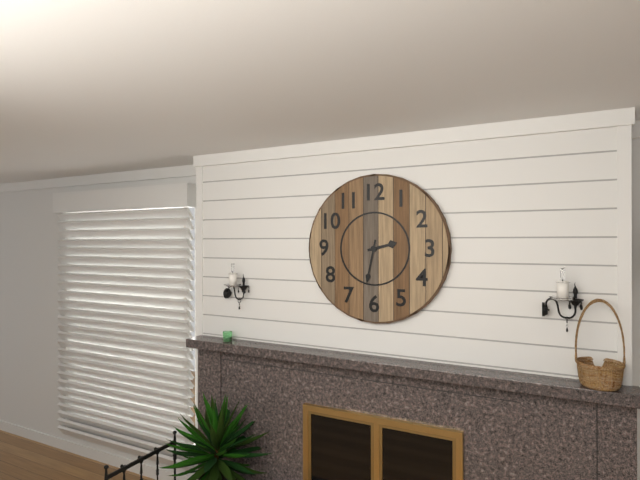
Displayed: 2h32
